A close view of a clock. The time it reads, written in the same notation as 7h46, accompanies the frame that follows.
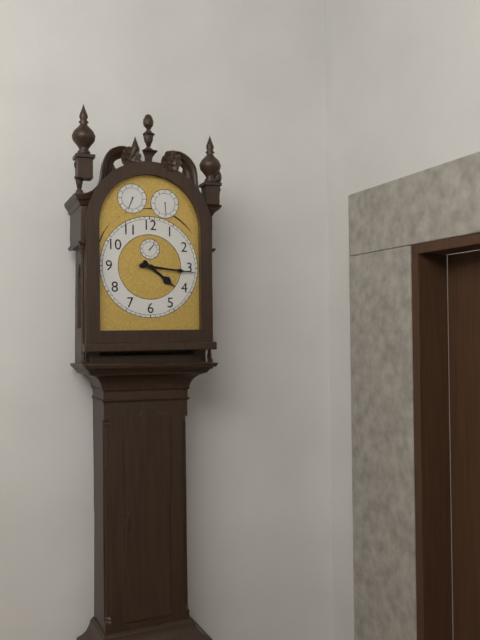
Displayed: 4h16
